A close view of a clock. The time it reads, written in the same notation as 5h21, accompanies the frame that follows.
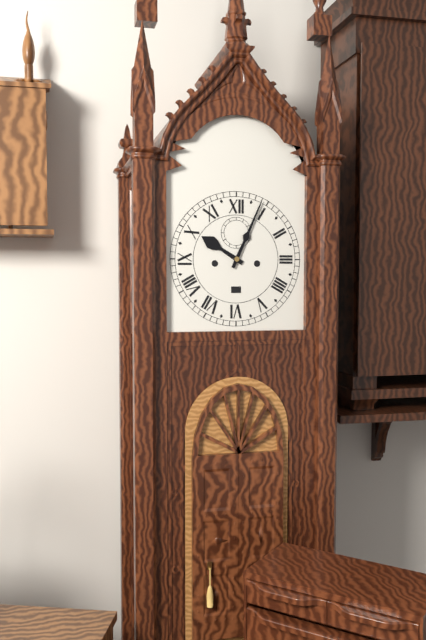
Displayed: 10h04
